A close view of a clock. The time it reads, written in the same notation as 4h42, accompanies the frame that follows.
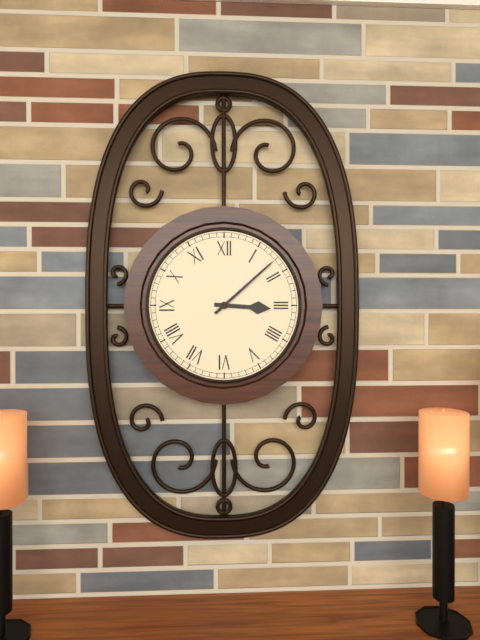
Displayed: 3h08
